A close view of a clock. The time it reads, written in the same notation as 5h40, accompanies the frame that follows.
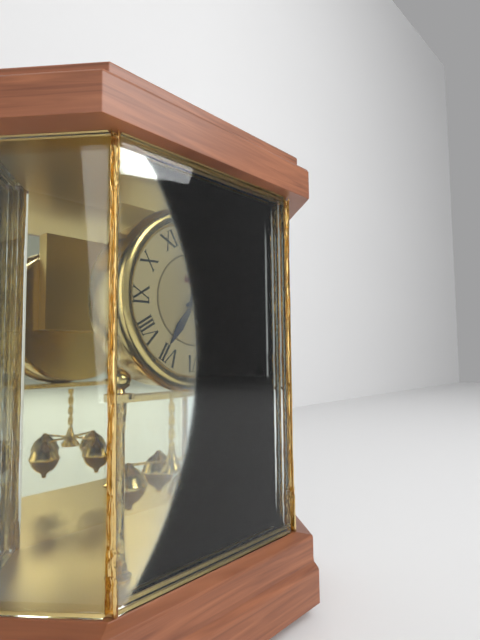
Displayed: 7h10
